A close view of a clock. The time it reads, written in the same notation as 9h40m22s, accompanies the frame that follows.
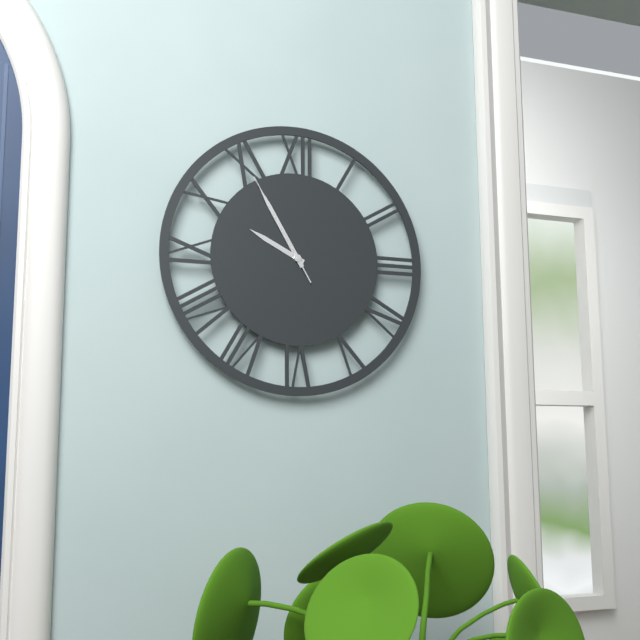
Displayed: 9h55m55s
